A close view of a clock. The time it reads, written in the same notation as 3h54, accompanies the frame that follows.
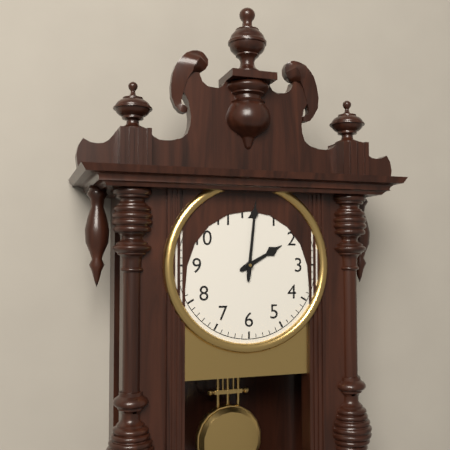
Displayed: 2h01
